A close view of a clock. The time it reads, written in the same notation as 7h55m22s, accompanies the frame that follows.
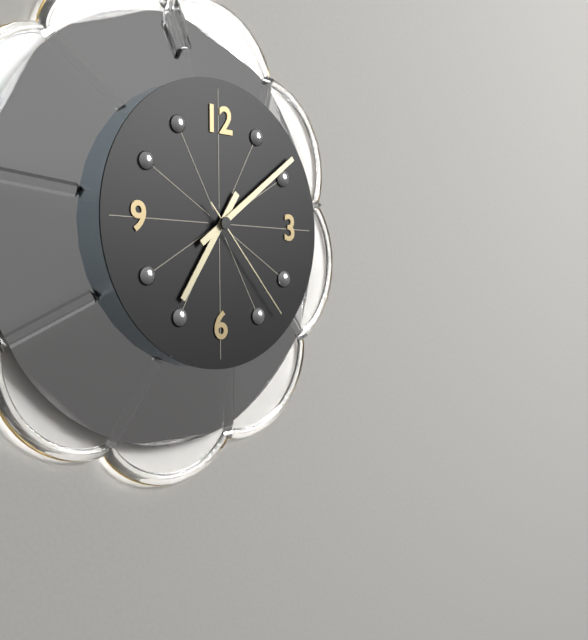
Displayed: 7h09m23s
